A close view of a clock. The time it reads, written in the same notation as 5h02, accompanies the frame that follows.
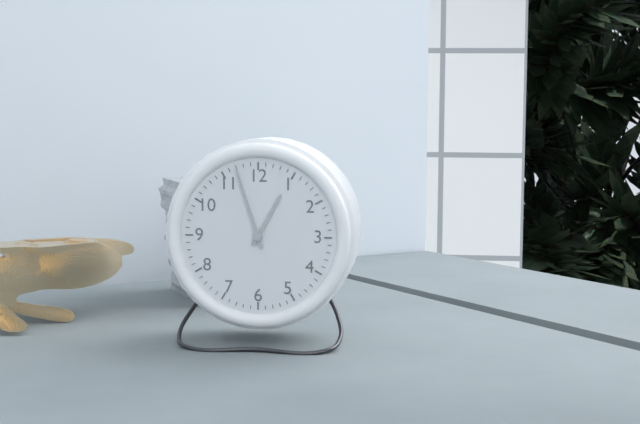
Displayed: 12h57
